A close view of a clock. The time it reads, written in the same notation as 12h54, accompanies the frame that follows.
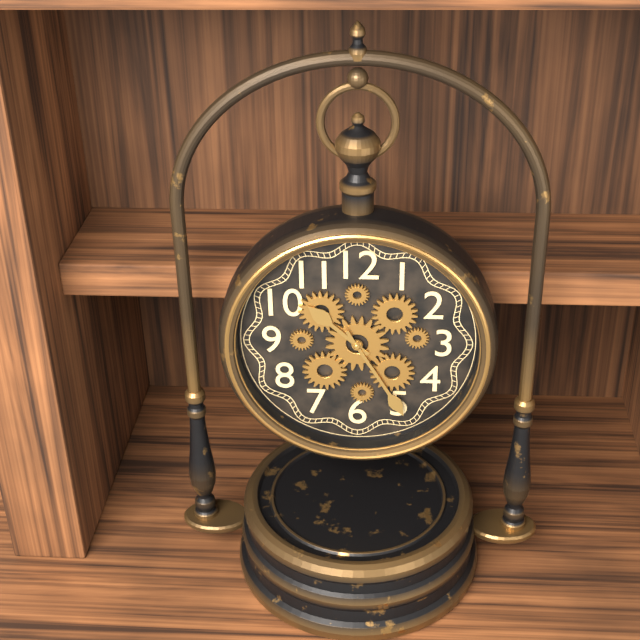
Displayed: 10h25
